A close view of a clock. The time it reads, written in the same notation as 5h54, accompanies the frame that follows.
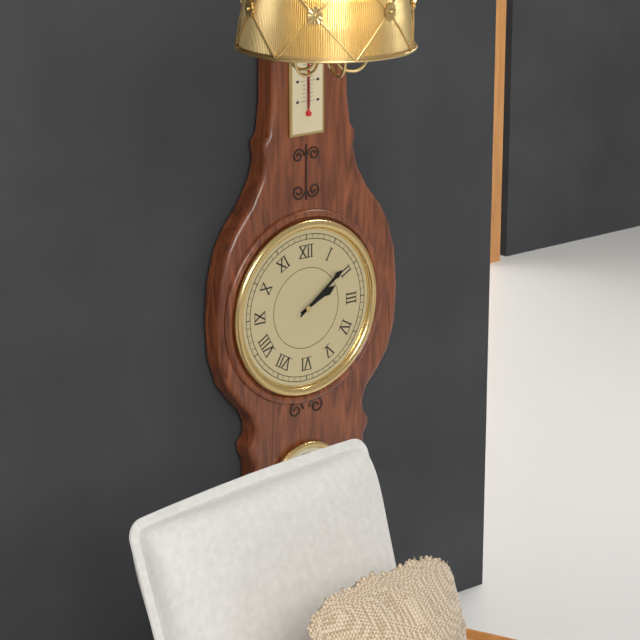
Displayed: 2h09
